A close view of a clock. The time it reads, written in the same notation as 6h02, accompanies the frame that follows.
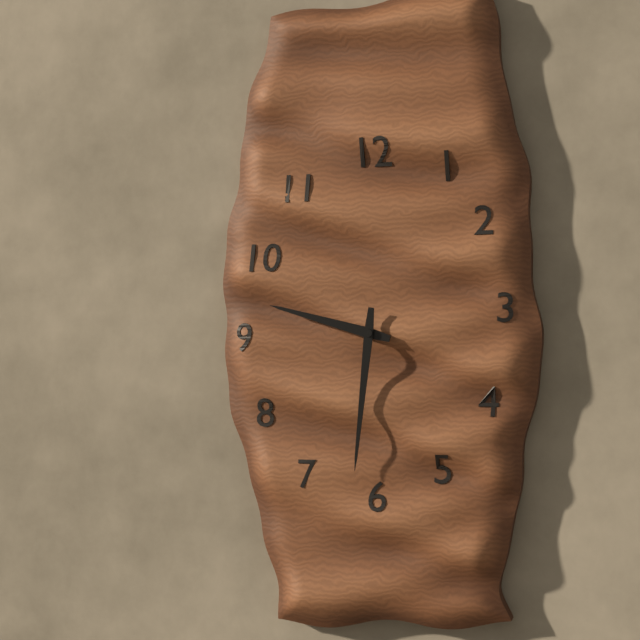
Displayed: 9h31
